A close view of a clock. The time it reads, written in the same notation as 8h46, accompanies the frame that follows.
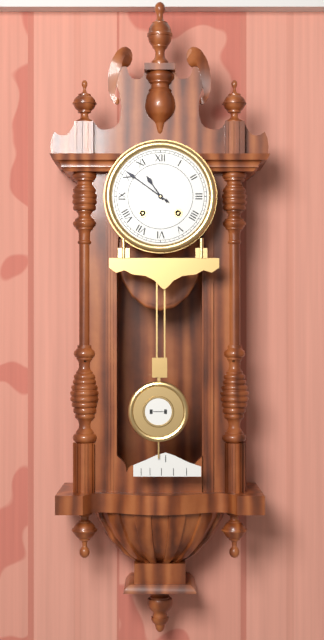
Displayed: 10h51
